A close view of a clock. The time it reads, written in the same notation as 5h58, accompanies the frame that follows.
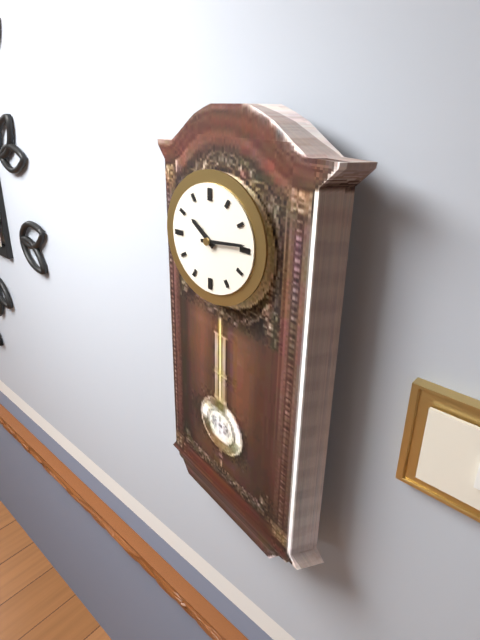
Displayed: 10h14
